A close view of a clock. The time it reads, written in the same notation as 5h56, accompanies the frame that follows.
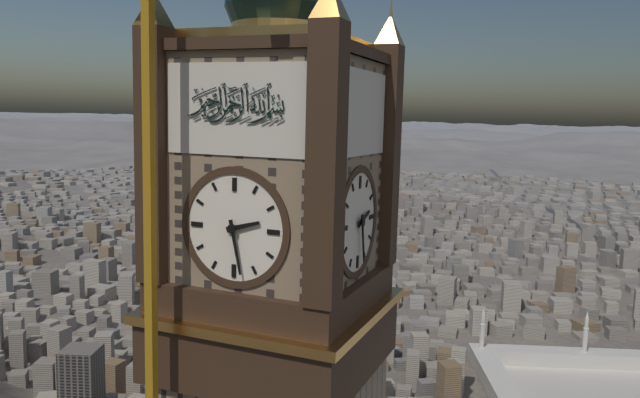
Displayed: 2h28
